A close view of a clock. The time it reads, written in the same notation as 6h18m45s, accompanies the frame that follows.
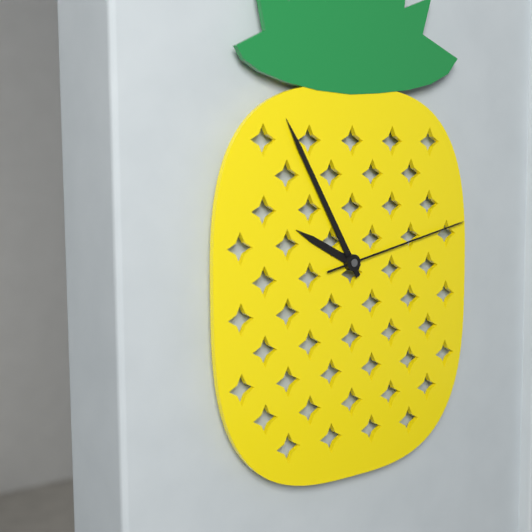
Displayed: 9h55m13s
